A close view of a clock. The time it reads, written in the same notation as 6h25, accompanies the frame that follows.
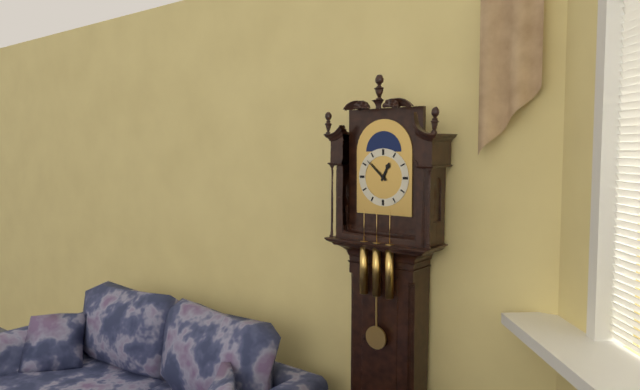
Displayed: 12h52
